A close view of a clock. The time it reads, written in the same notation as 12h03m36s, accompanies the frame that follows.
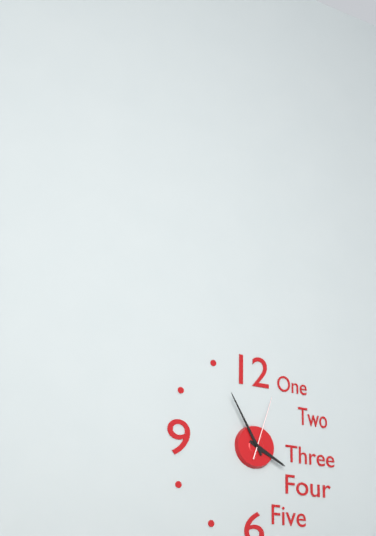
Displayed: 3h55m03s
